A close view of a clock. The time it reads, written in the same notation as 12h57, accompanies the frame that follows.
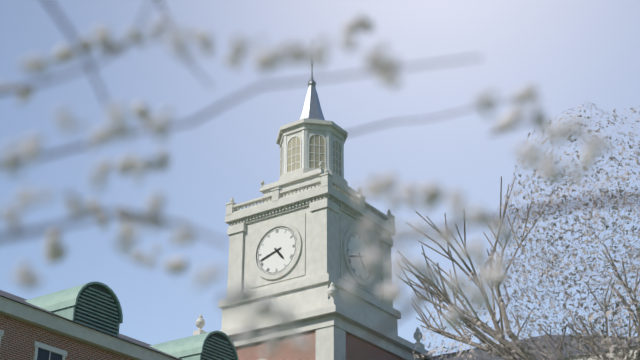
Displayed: 4h42
